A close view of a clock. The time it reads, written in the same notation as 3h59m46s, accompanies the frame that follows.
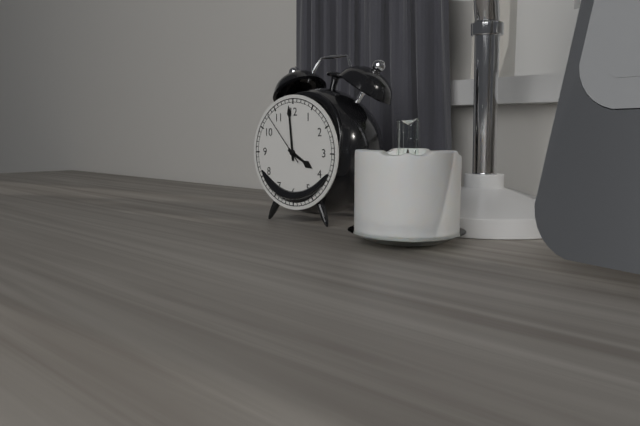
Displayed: 3h59m53s
